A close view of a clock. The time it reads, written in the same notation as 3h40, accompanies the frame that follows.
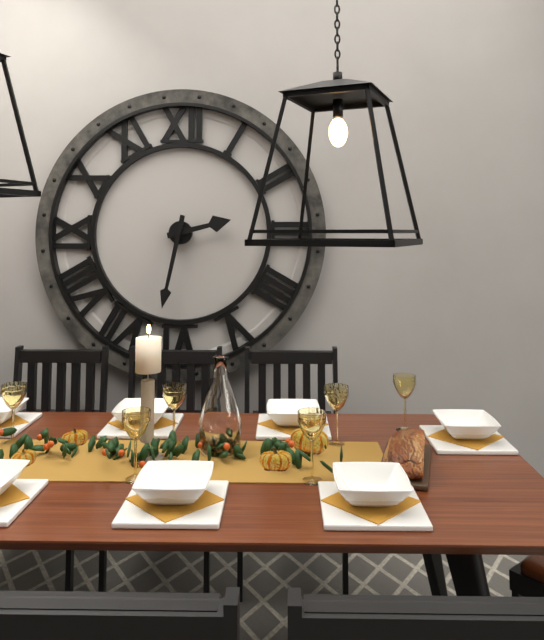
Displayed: 2h32
